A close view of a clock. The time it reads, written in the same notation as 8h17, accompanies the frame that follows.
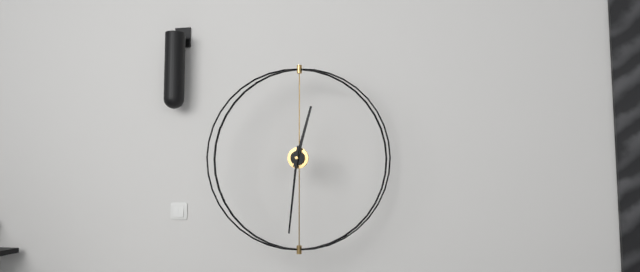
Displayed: 12h31
